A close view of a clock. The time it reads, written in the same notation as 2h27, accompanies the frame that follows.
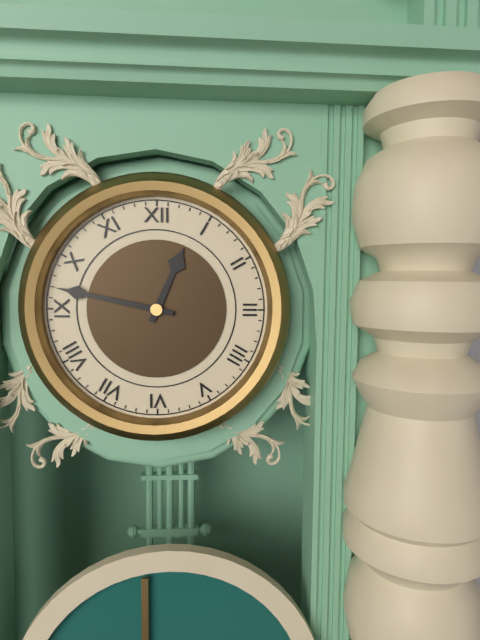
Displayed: 12h47
